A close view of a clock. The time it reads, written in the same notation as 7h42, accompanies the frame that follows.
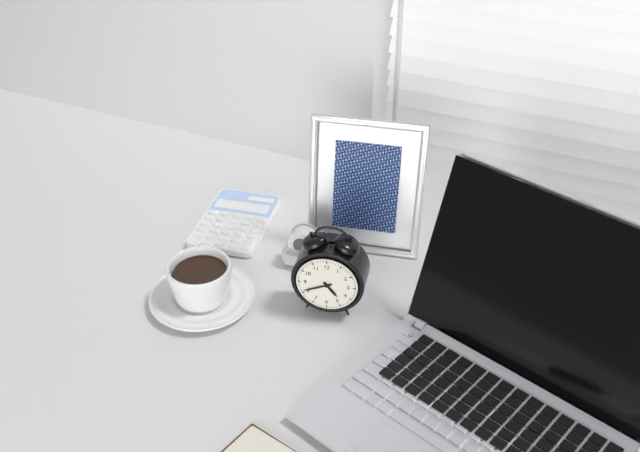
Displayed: 4h41
